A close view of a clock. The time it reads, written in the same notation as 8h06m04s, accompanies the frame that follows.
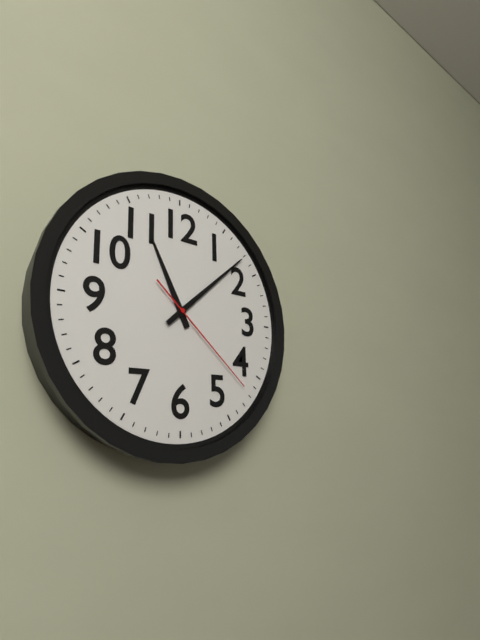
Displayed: 11h08m22s
